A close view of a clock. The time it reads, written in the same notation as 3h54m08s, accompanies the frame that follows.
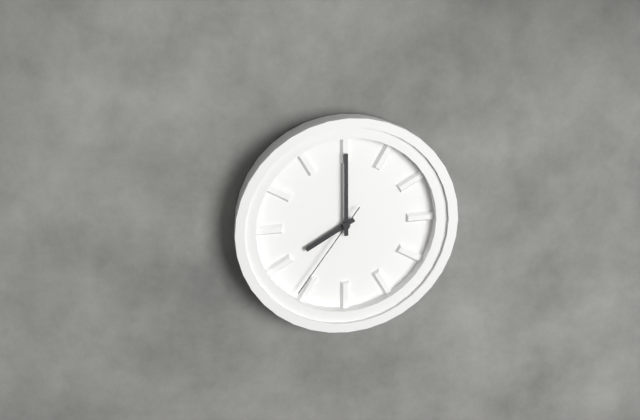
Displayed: 8h00m36s
